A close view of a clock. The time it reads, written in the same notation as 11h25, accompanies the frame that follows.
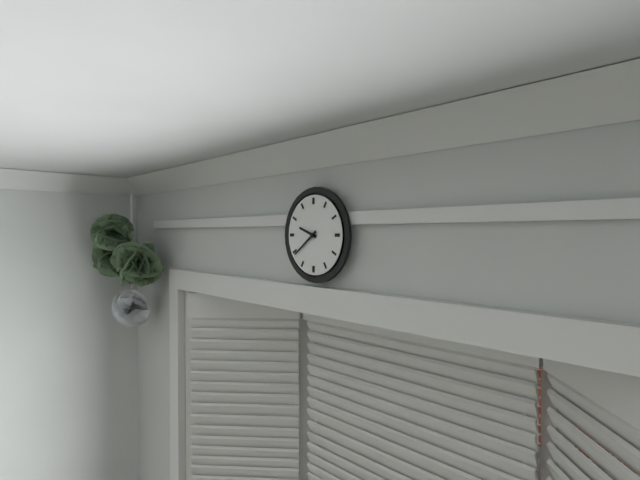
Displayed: 9h39
